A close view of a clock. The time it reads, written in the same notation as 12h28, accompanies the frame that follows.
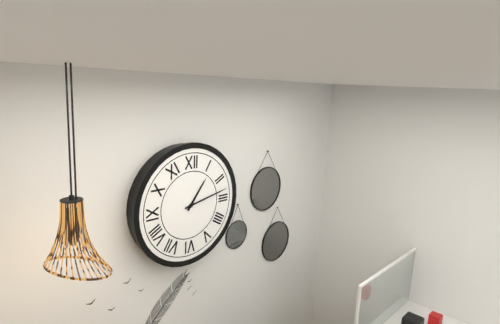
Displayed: 1h13
